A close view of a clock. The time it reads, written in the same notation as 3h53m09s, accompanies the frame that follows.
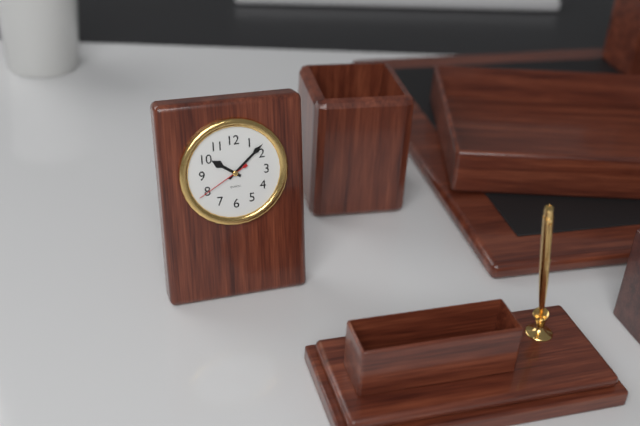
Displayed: 10h08m40s
